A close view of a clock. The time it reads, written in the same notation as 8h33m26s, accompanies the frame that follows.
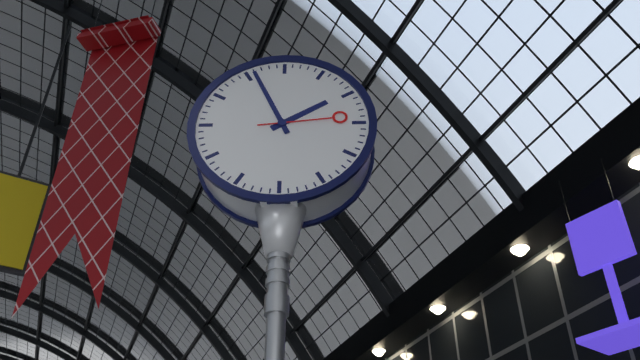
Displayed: 1h56m14s
